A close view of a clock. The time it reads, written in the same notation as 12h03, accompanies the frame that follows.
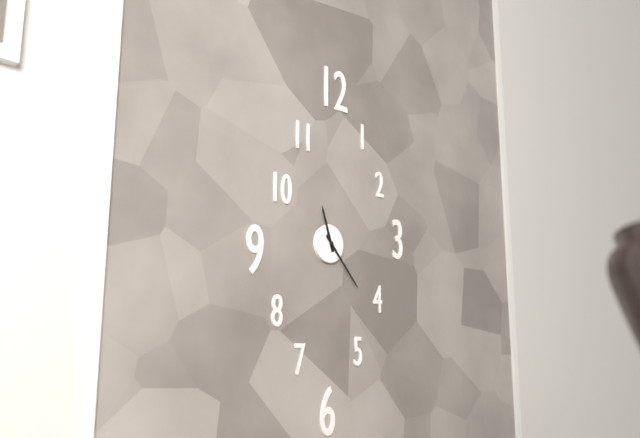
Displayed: 11h23
